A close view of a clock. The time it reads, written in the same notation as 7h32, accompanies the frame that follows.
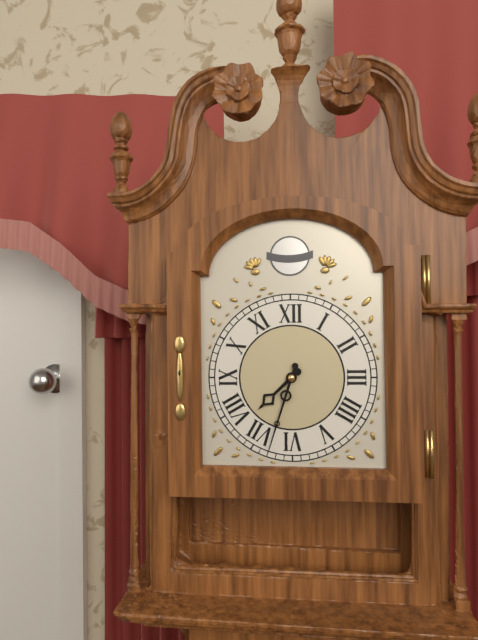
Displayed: 7h33
